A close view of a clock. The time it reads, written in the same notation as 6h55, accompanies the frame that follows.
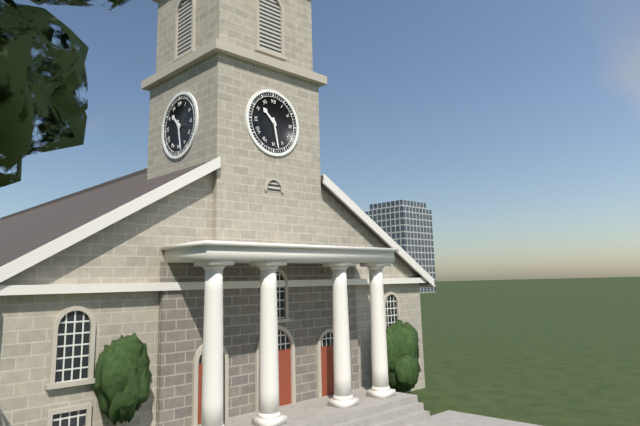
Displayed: 10h28
